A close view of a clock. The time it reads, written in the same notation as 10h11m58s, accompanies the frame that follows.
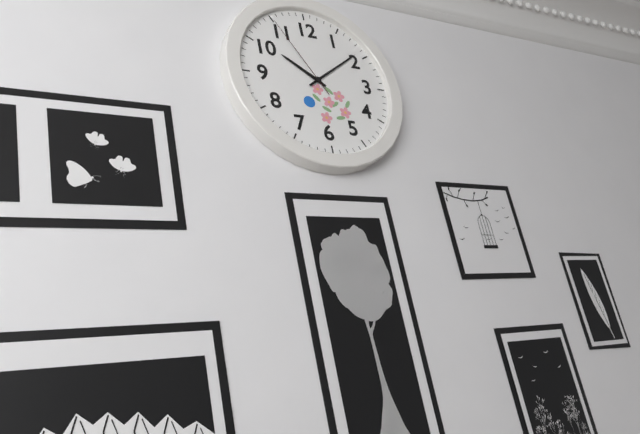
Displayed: 10h09m55s
